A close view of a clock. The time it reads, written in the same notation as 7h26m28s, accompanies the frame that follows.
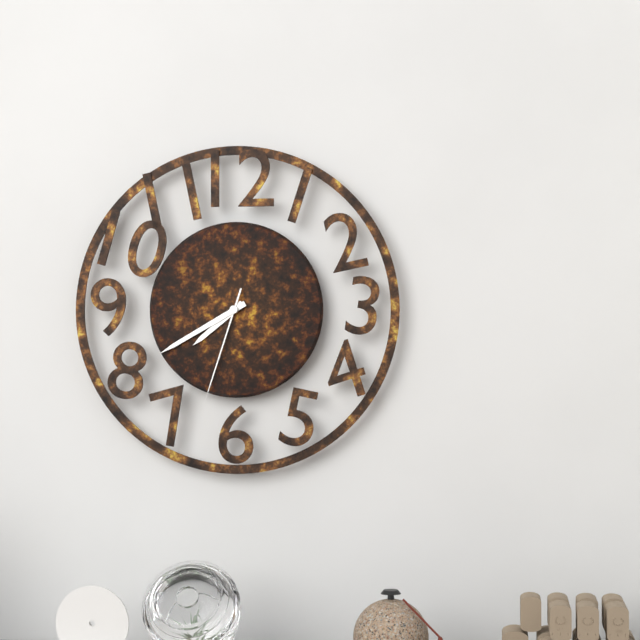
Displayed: 7h40m33s
